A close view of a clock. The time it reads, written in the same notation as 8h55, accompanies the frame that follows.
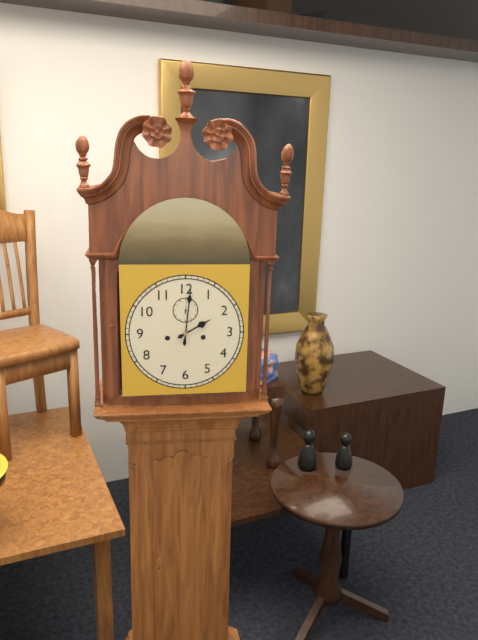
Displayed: 2h01
